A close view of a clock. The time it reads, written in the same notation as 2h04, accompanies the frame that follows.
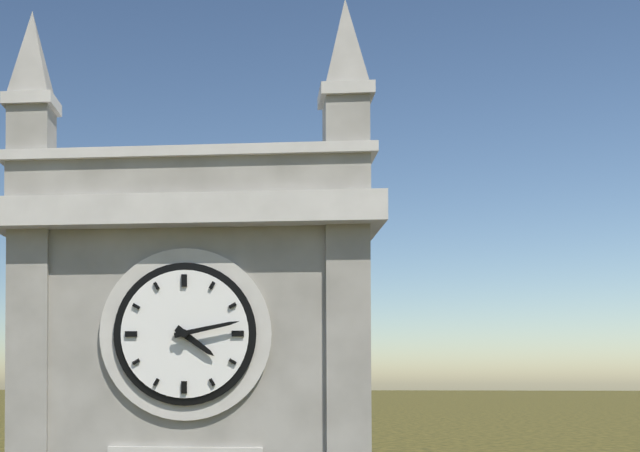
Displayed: 4h13
